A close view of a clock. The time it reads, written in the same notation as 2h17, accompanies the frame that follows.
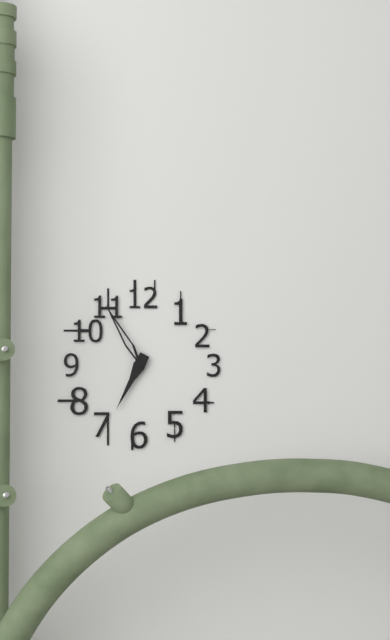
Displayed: 6h55
